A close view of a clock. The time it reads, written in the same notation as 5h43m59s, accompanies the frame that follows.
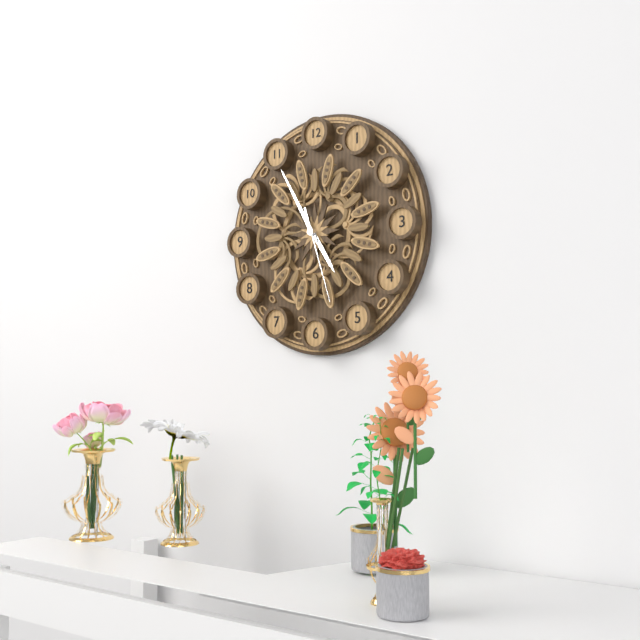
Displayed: 4h55m27s
